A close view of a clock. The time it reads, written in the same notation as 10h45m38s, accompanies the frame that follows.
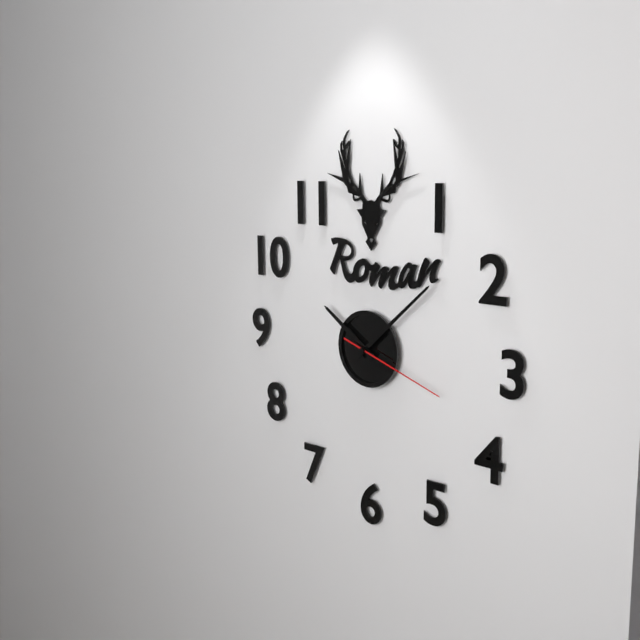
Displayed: 10h08m18s
